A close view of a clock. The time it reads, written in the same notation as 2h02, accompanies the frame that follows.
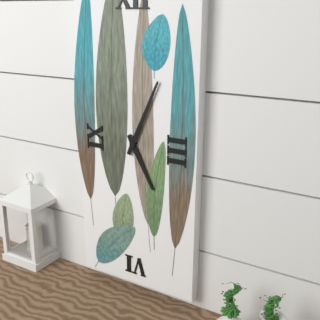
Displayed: 5h04
